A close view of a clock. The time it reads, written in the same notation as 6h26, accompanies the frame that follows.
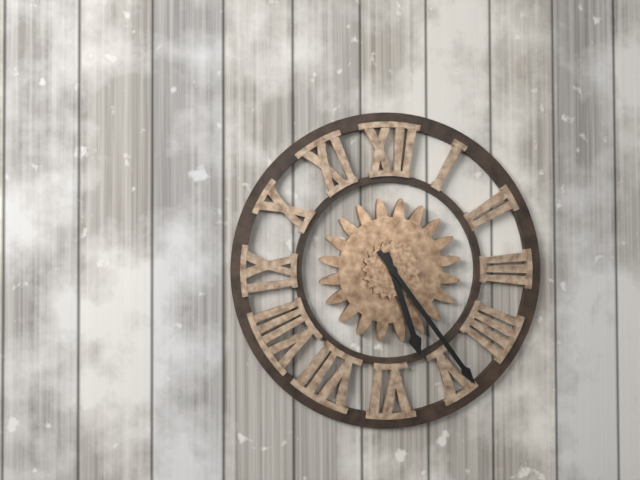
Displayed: 5h24
